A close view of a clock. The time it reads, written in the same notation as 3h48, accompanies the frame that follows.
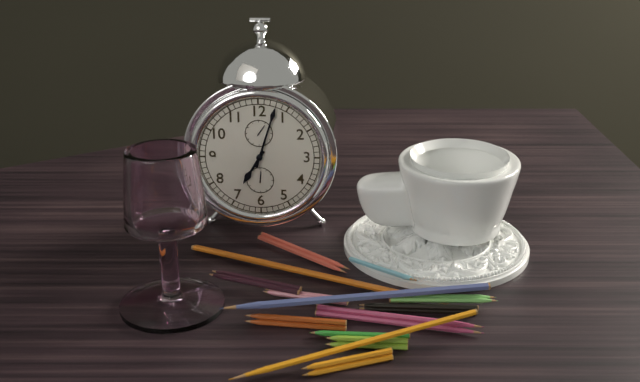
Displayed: 7h03
